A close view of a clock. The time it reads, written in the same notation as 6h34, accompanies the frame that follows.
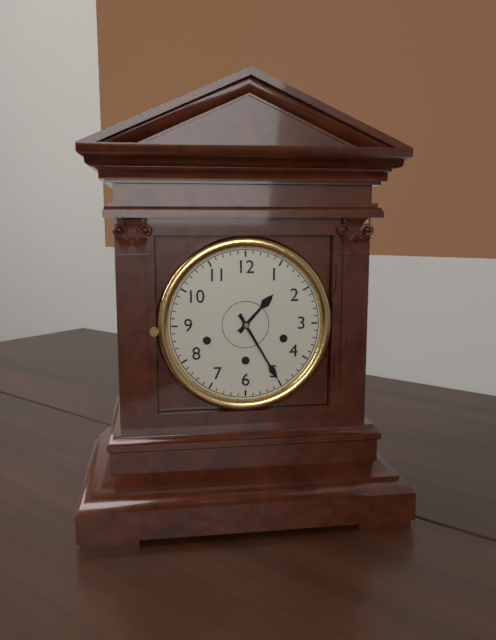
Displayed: 1h25
